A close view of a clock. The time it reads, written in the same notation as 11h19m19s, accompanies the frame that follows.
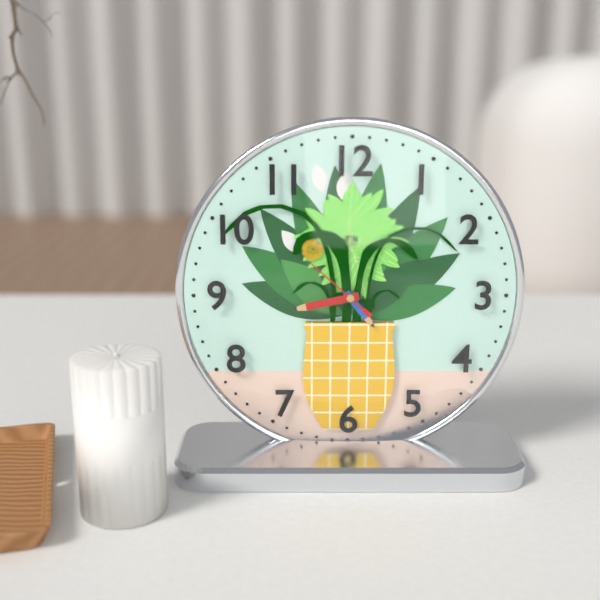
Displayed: 4h43m52s
